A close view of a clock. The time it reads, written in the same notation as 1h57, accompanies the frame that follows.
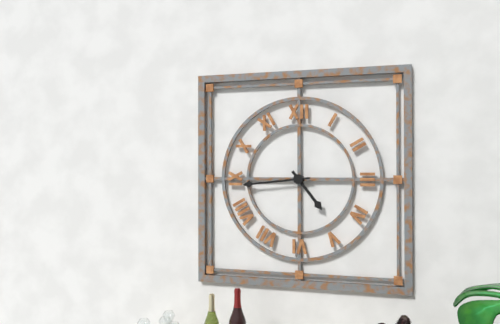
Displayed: 4h44
